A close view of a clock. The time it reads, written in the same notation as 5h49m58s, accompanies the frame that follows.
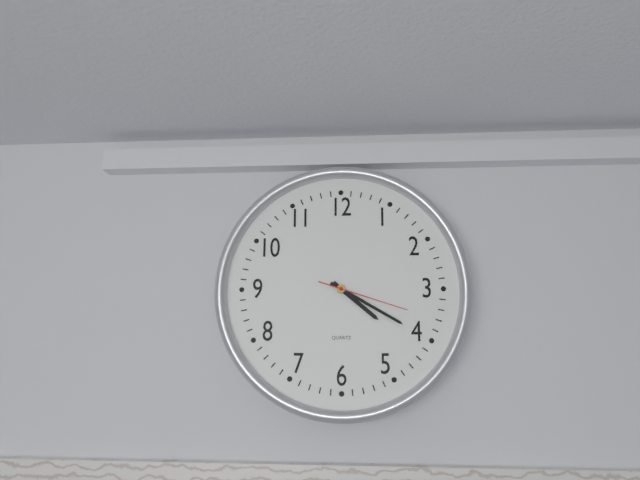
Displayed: 4h20m18s
